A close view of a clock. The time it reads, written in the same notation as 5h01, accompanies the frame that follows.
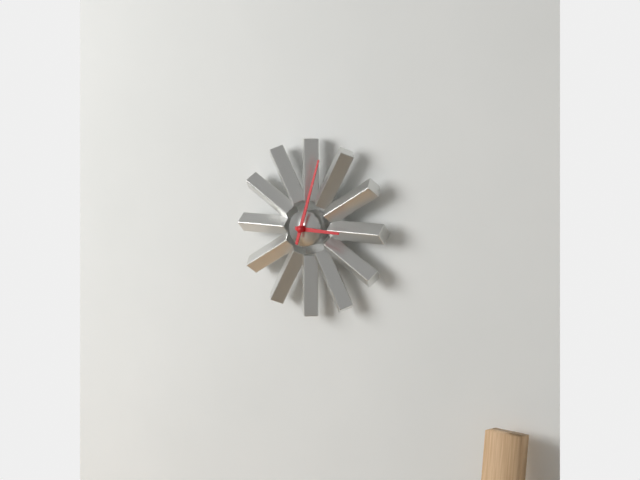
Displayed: 3h03
